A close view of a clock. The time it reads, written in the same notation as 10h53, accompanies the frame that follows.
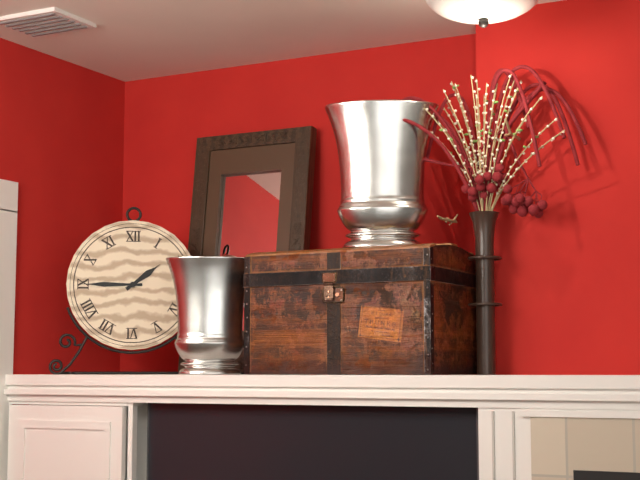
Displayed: 1h45
